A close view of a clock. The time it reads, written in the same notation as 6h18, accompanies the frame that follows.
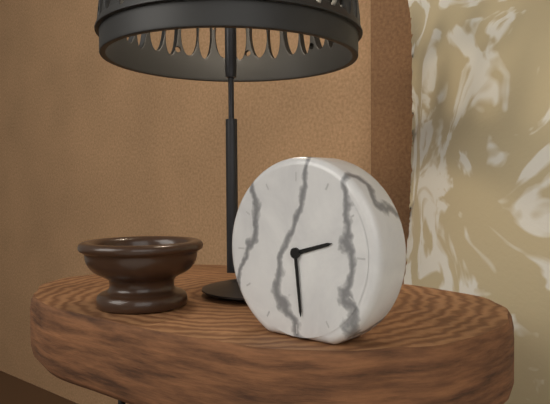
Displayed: 2h29
